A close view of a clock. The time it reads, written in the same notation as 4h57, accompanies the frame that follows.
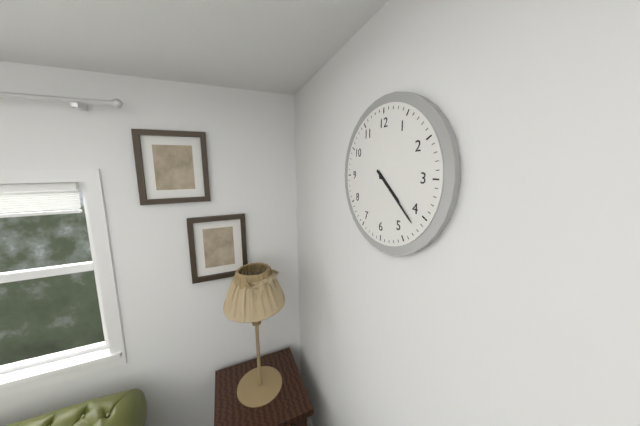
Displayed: 4h22
